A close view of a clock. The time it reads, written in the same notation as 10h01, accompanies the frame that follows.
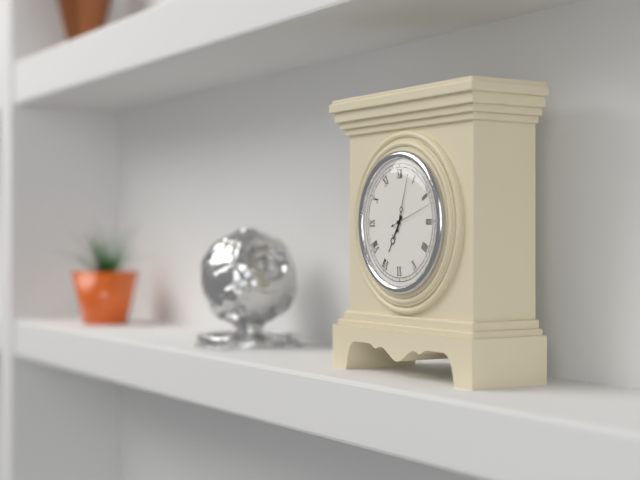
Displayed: 7h03
